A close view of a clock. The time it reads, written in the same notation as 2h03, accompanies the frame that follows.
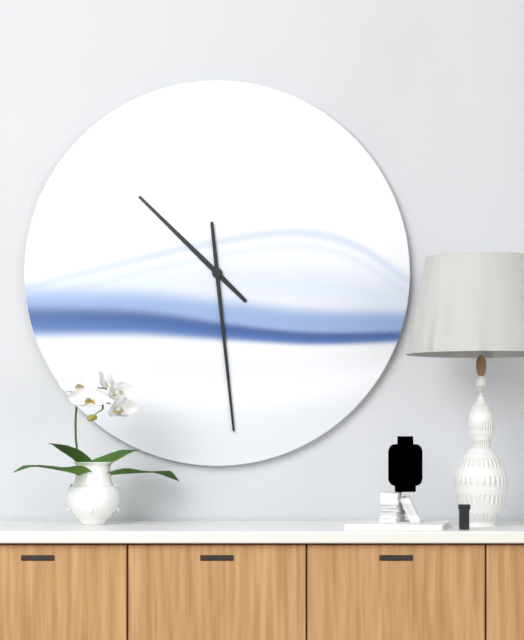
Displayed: 10h29
